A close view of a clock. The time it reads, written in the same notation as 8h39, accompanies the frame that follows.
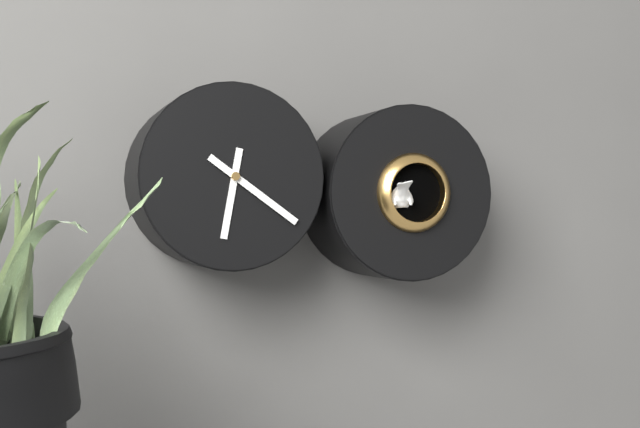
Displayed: 6h21
